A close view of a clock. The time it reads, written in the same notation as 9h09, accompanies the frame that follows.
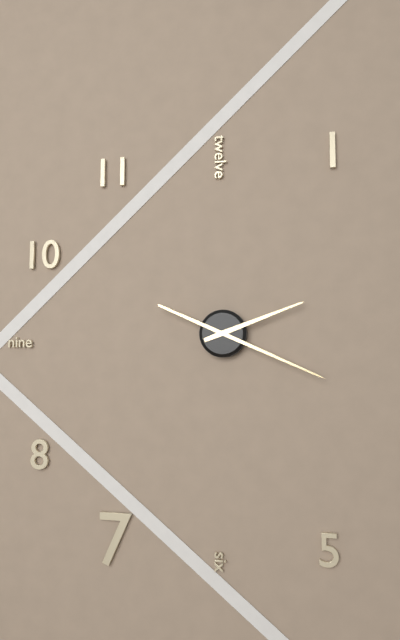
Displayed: 2h19
